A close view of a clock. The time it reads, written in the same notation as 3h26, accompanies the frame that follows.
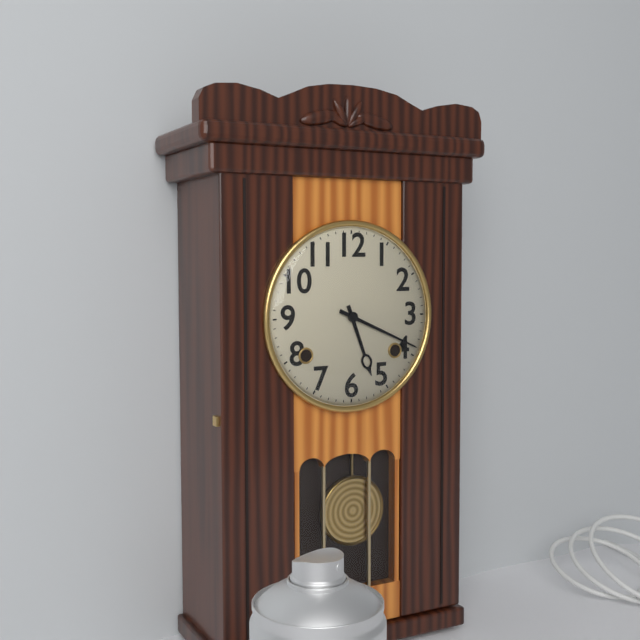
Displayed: 5h19
